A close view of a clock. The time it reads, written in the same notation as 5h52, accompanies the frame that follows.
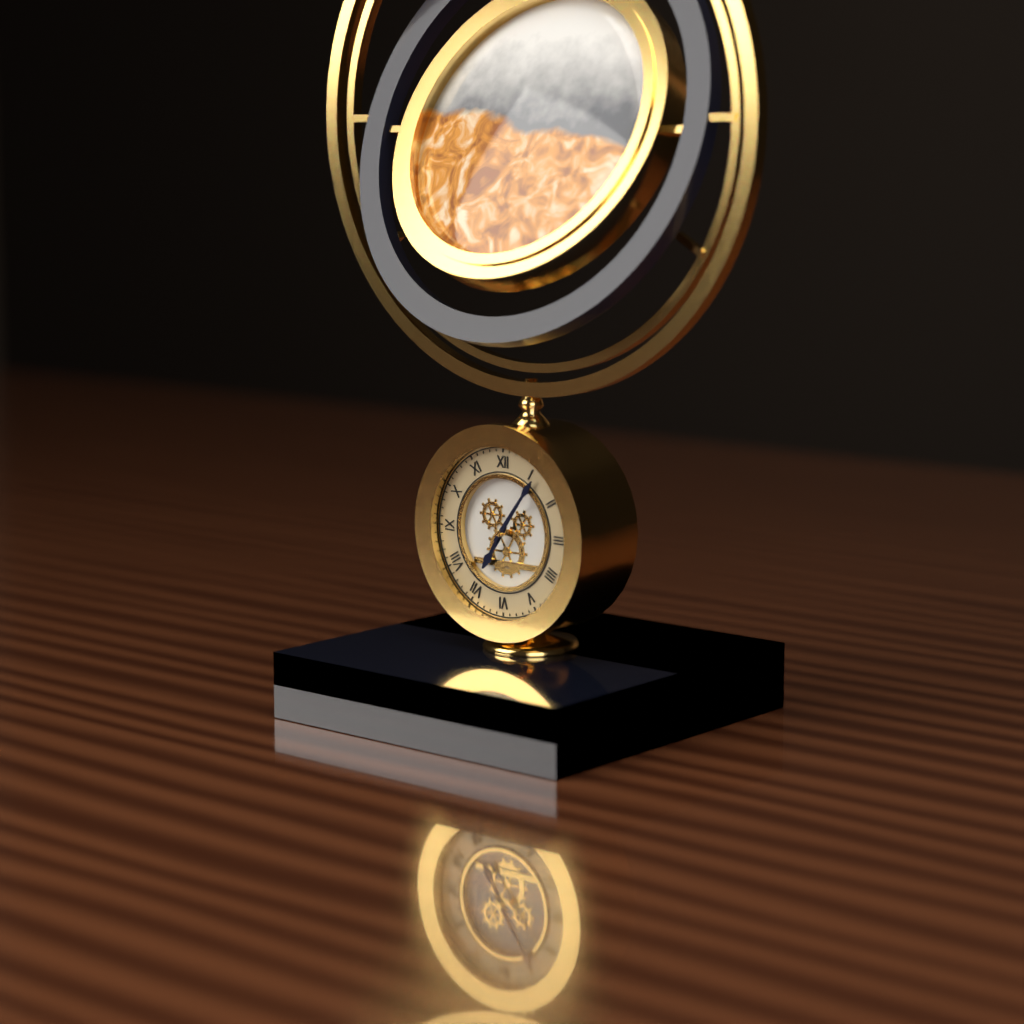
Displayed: 7h06
